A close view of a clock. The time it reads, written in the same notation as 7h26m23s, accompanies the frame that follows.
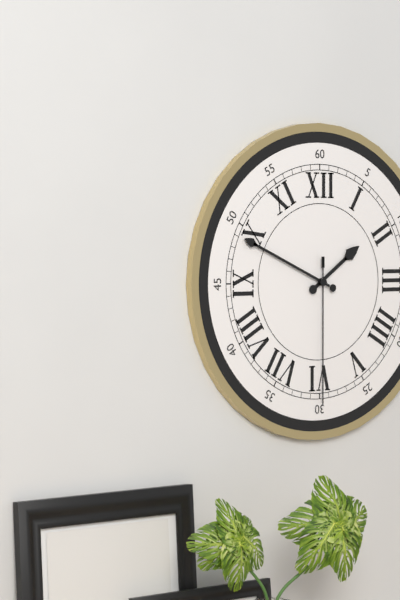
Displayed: 1h49m30s
